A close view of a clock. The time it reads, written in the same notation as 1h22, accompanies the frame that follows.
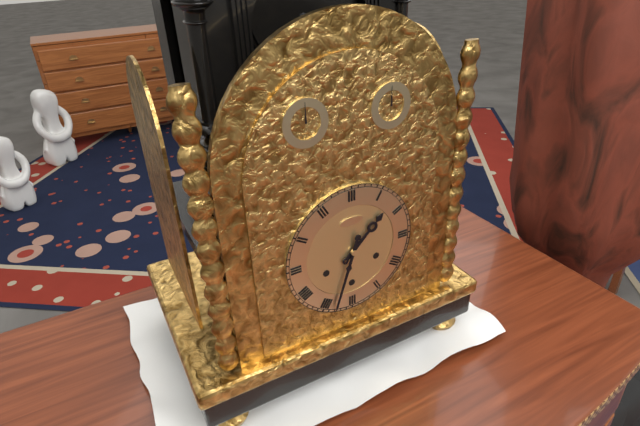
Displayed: 1h33
